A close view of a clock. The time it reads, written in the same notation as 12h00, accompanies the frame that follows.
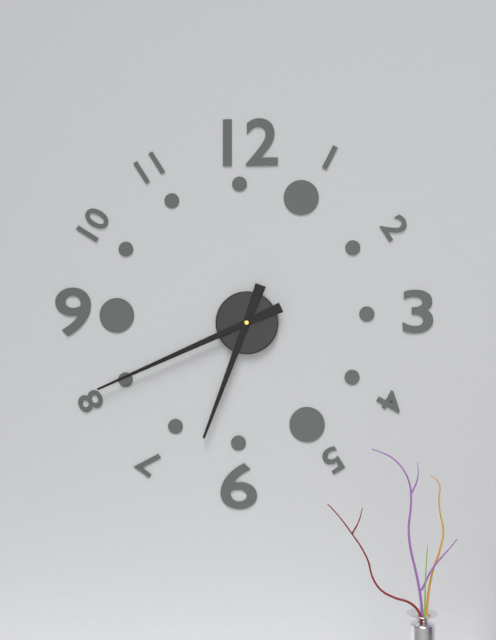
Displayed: 6h41
